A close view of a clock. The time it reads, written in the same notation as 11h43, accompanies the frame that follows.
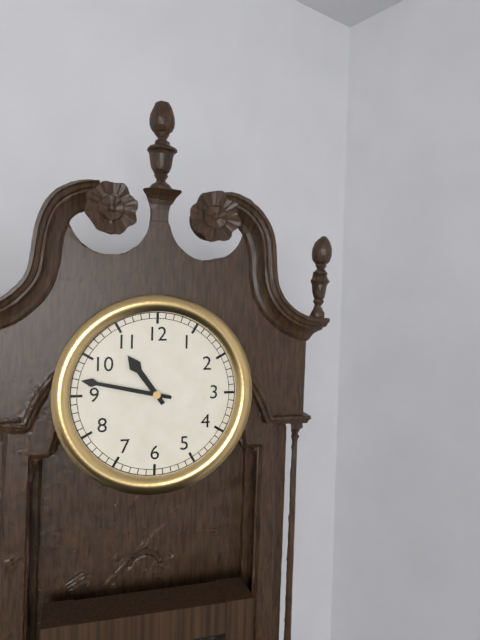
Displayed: 10h47
